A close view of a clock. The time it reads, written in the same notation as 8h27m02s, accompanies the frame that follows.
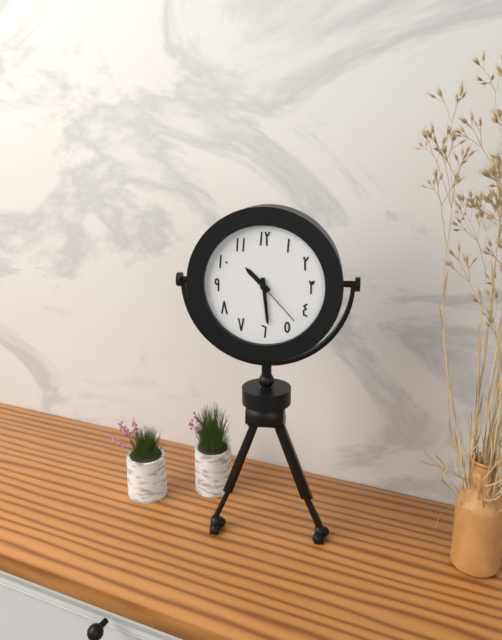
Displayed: 10h29m23s
